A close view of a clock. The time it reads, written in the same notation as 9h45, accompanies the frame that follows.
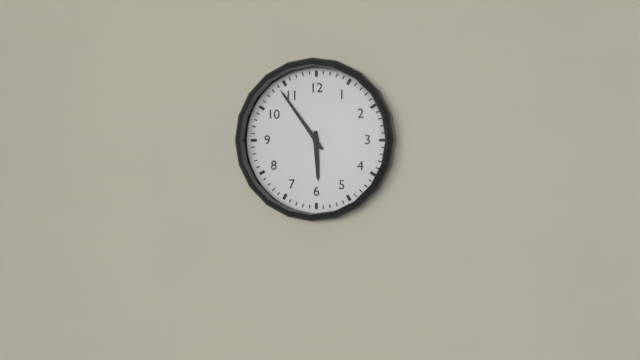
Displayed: 5h54
